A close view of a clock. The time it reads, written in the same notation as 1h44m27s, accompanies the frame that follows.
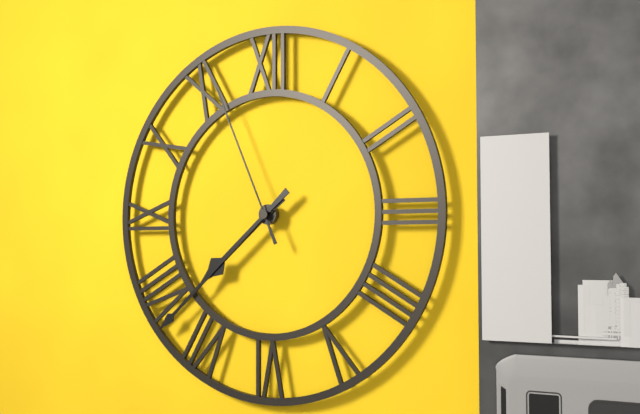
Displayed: 7h38m56s
